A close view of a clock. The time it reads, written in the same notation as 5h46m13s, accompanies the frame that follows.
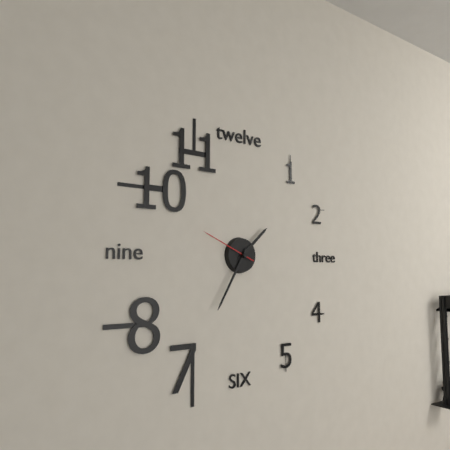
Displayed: 1h35m49s
